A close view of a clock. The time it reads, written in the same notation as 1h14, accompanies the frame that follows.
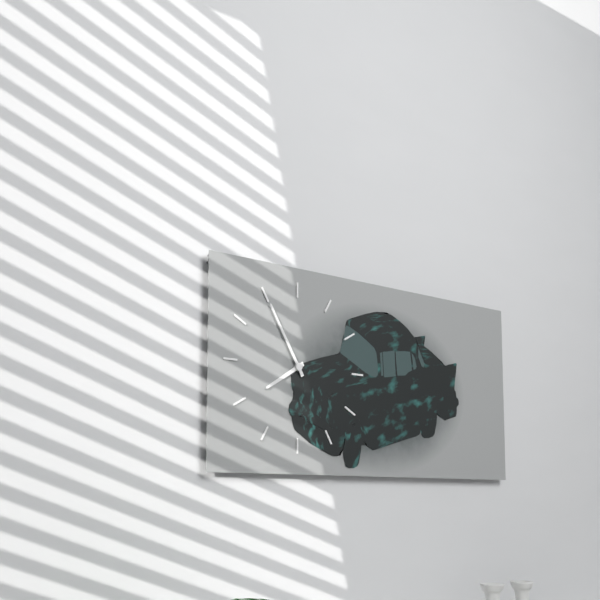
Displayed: 7h55
